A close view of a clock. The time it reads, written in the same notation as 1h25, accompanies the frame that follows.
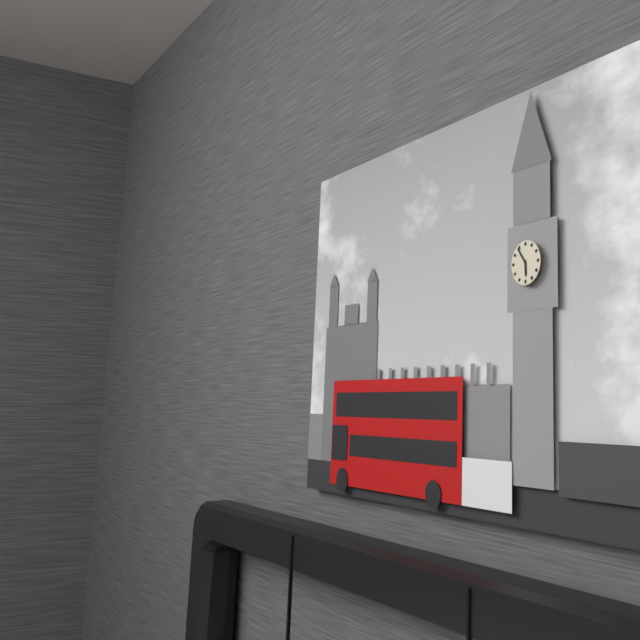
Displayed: 5h54
